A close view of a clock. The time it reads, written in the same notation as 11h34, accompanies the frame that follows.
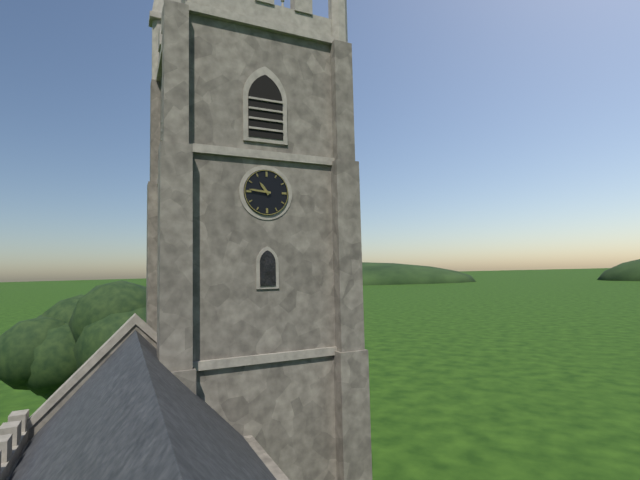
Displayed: 10h46
